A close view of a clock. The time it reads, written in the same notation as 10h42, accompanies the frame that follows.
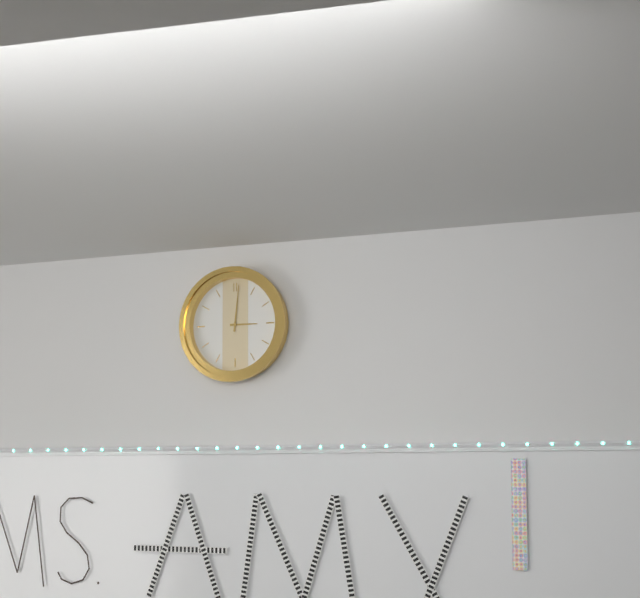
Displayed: 3h01
